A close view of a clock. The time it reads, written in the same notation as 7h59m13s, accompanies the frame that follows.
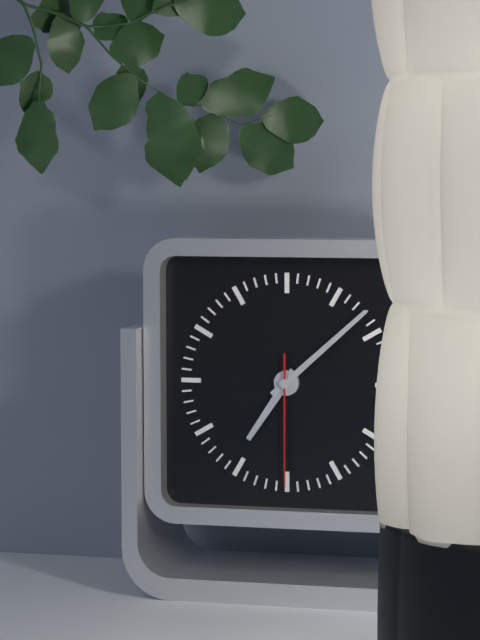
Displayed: 7h08m30s
